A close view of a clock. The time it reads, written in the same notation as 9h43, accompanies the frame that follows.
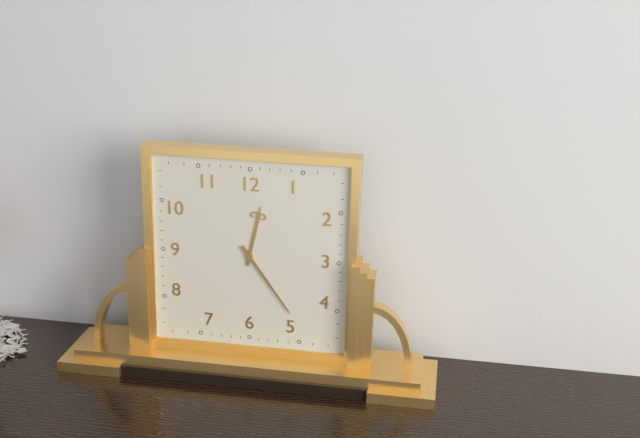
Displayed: 12h24
